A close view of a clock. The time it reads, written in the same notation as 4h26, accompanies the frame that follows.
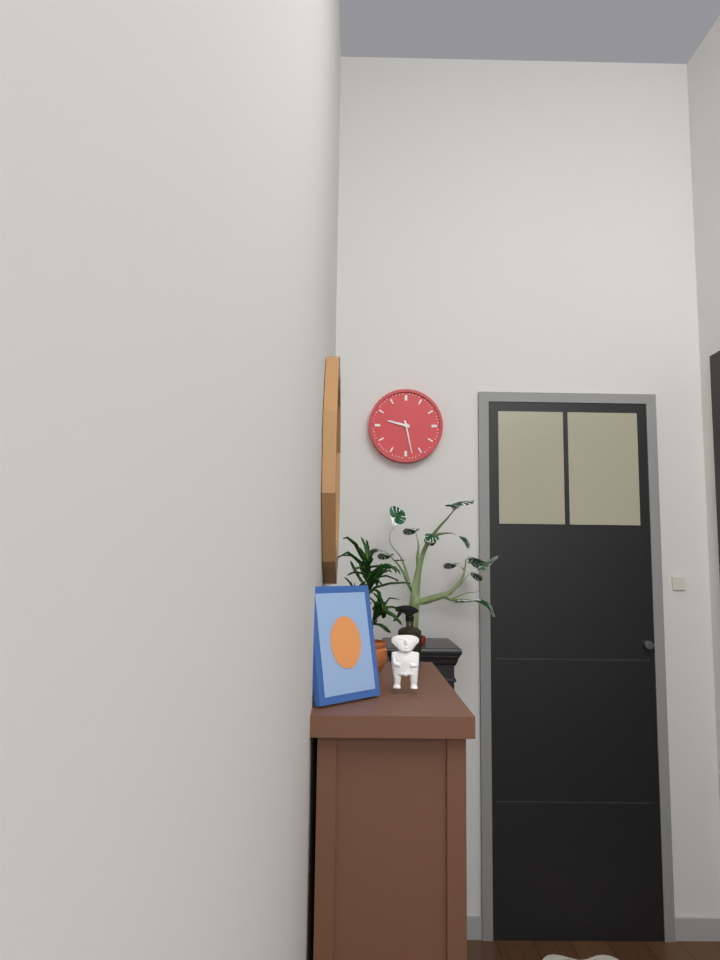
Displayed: 9h28
